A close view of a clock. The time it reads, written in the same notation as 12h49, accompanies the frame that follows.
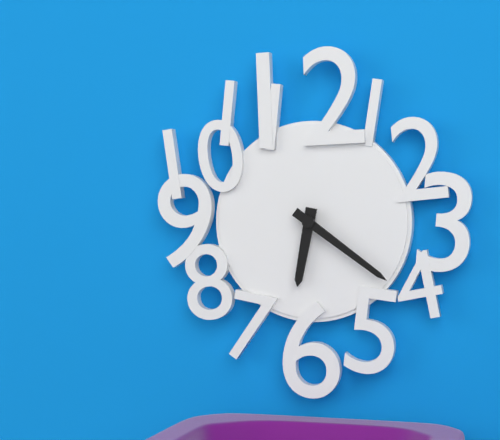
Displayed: 6h21
